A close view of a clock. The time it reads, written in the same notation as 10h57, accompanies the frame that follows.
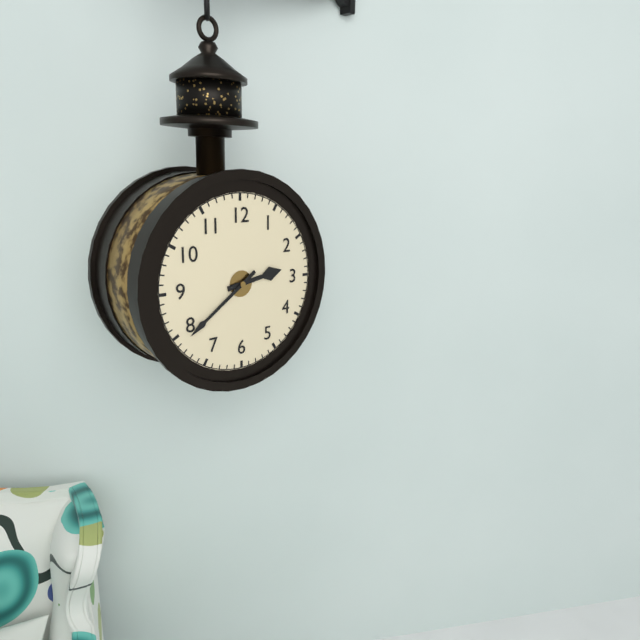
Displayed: 2h39
